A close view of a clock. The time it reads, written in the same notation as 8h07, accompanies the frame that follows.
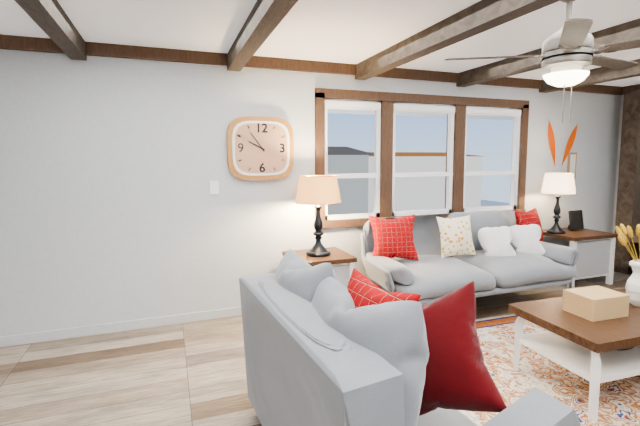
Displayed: 9h54
